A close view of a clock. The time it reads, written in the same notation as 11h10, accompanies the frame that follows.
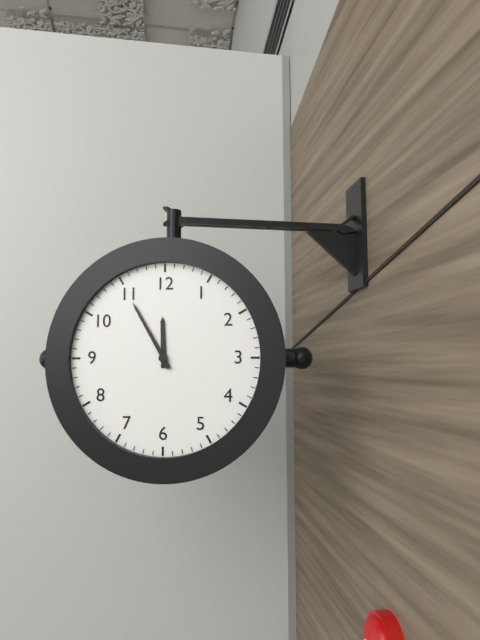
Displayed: 11h55
